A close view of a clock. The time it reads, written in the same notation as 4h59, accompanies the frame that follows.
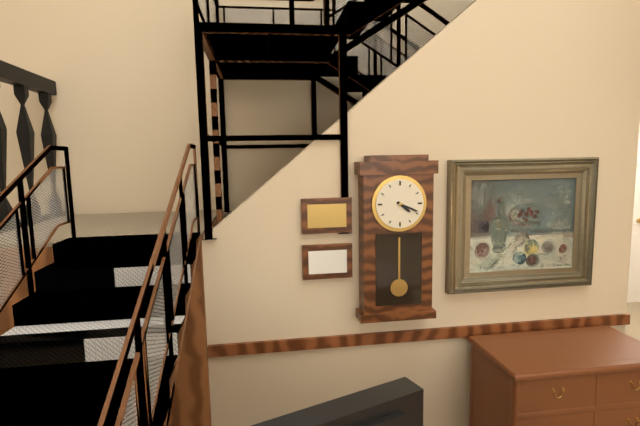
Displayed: 4h19
